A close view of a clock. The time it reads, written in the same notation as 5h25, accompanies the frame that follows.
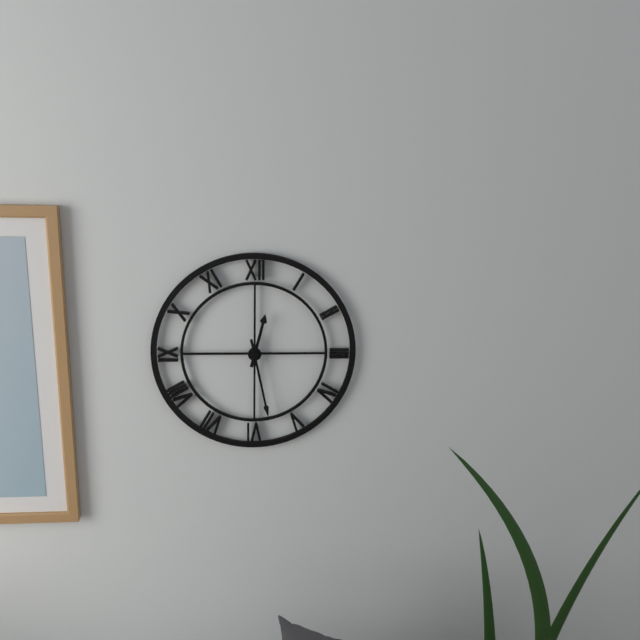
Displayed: 12h28
